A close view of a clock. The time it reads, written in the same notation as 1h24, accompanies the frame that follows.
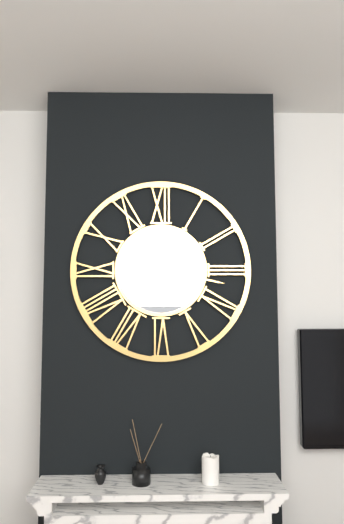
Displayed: 9h17
